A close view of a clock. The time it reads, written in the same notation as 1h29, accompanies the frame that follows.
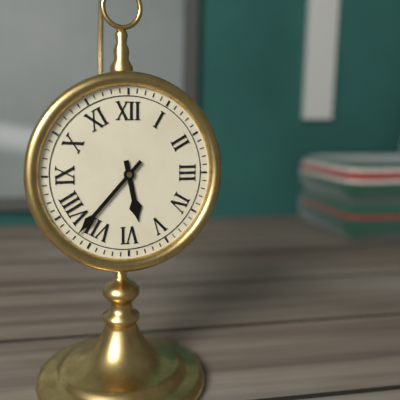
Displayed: 5h37
